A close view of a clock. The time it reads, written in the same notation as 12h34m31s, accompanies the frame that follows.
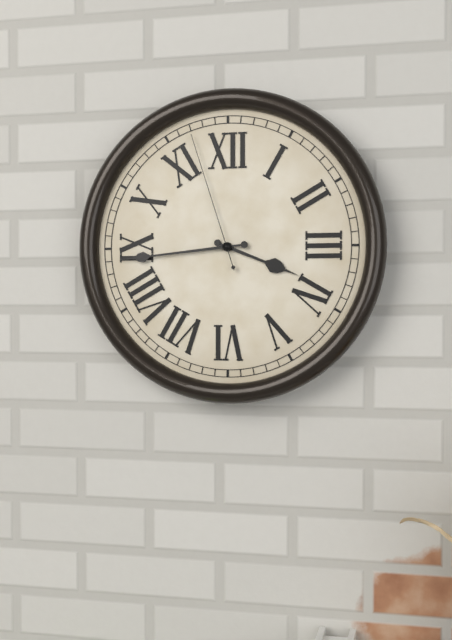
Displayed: 3h44m57s
